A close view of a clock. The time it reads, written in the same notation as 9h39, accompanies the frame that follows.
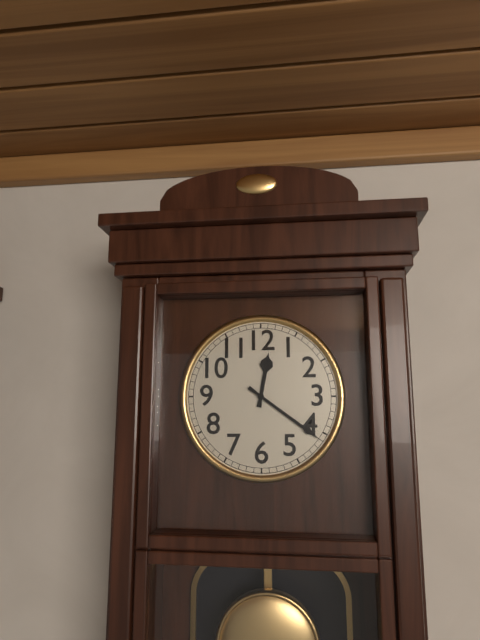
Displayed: 12h21
